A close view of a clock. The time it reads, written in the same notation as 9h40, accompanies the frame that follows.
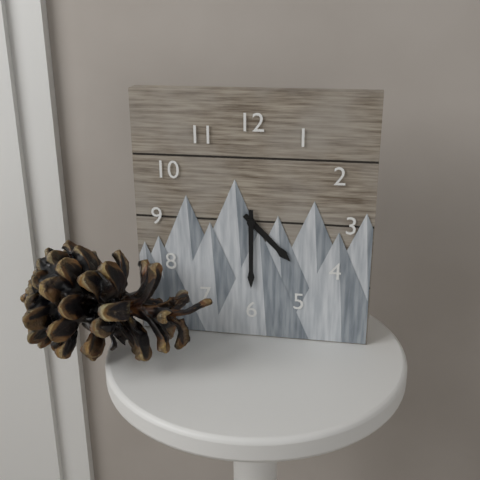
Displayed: 4h30
